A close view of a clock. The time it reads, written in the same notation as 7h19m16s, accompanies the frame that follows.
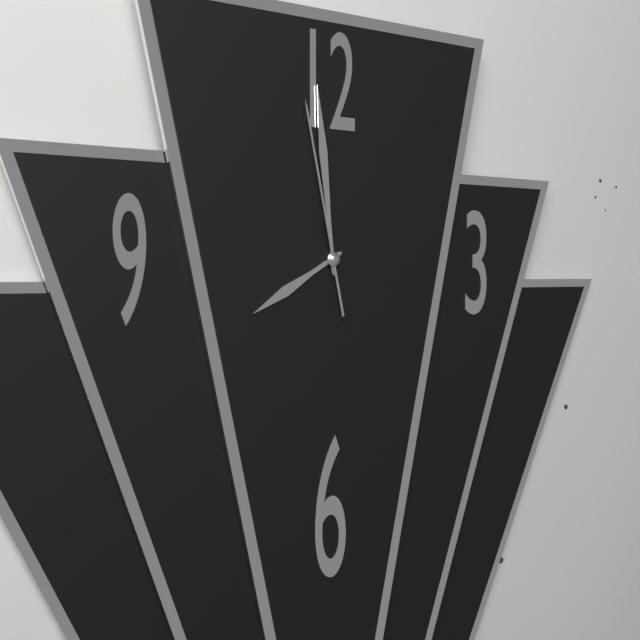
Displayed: 7h59m58s
